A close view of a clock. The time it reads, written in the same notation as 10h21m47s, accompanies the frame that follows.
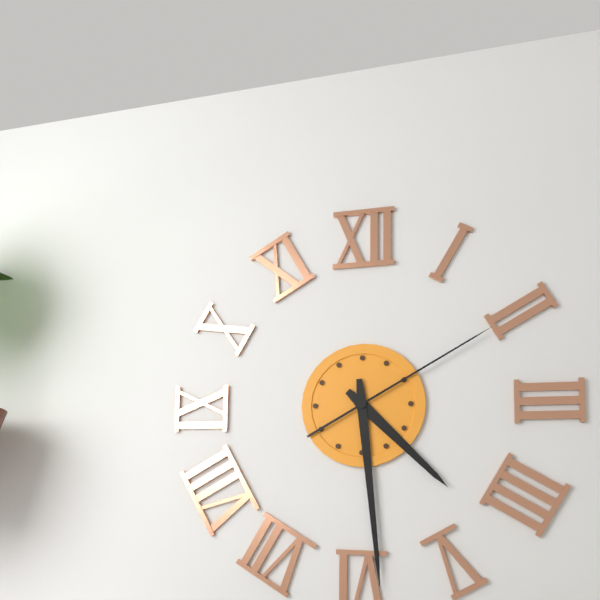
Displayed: 4h29m10s
